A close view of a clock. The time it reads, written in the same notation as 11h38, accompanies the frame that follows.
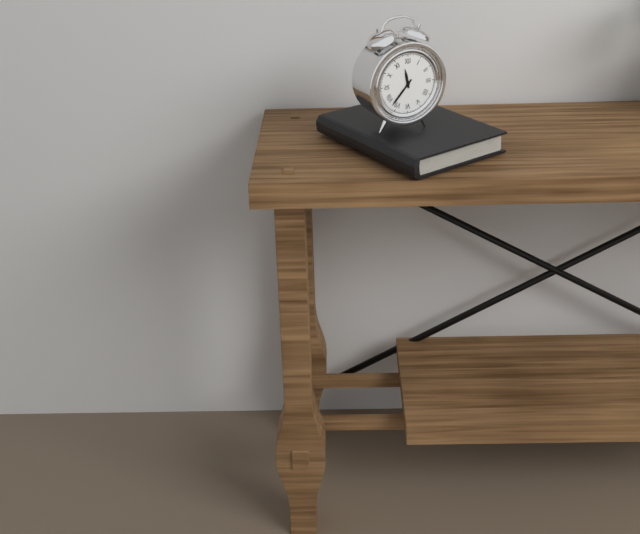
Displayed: 11h37
